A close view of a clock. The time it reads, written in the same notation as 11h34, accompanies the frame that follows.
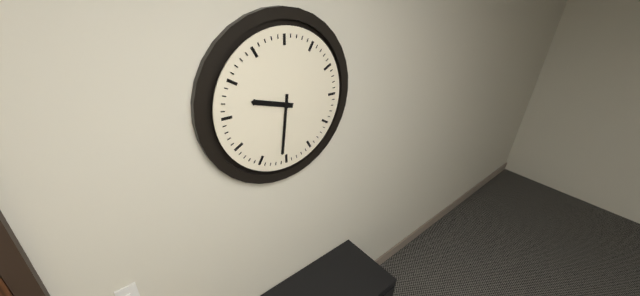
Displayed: 9h31
